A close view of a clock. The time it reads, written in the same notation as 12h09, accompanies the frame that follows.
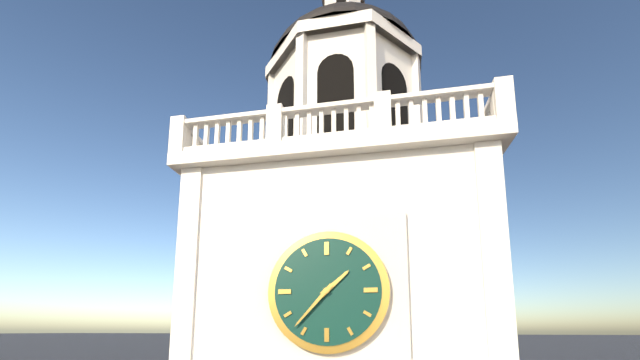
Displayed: 1h37
